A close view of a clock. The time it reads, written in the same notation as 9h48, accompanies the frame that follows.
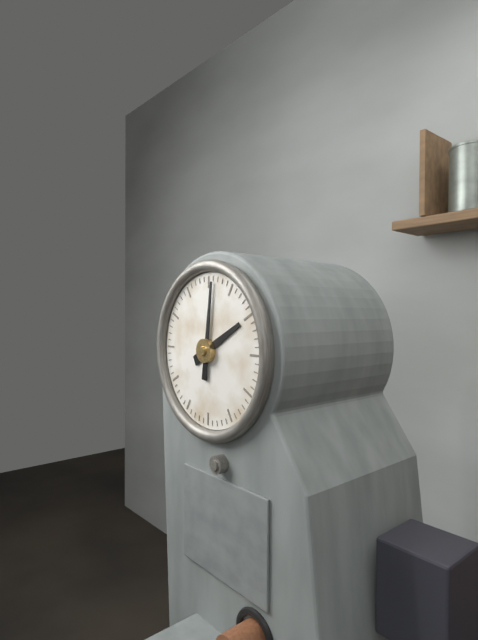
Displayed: 2h01
